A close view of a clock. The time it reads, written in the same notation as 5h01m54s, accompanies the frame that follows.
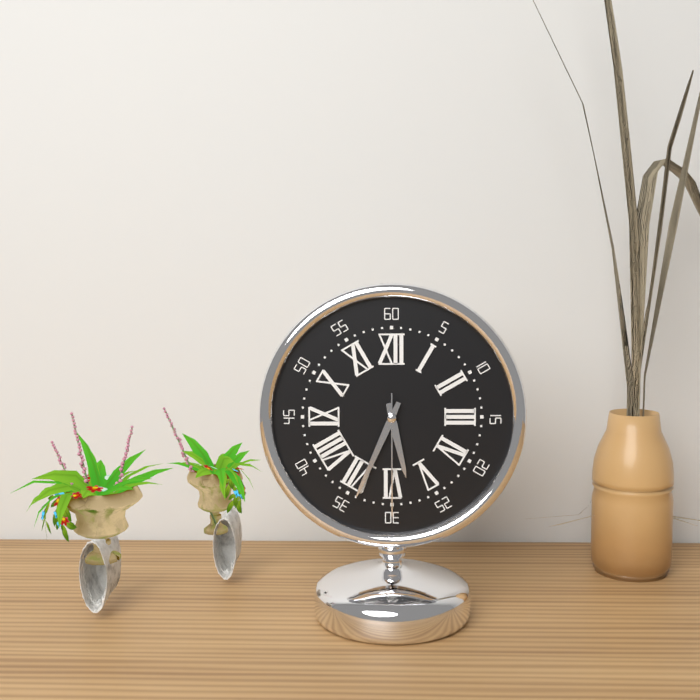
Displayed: 5h34m30s
